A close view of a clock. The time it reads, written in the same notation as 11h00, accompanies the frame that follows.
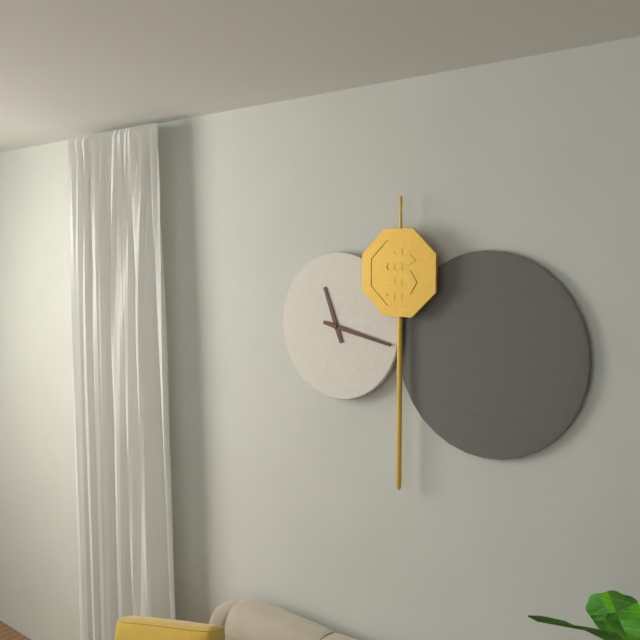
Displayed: 11h17
